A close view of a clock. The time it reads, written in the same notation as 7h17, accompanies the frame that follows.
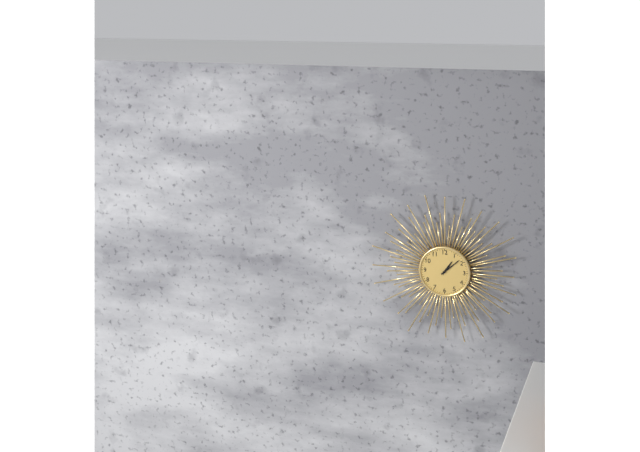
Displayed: 1h08
